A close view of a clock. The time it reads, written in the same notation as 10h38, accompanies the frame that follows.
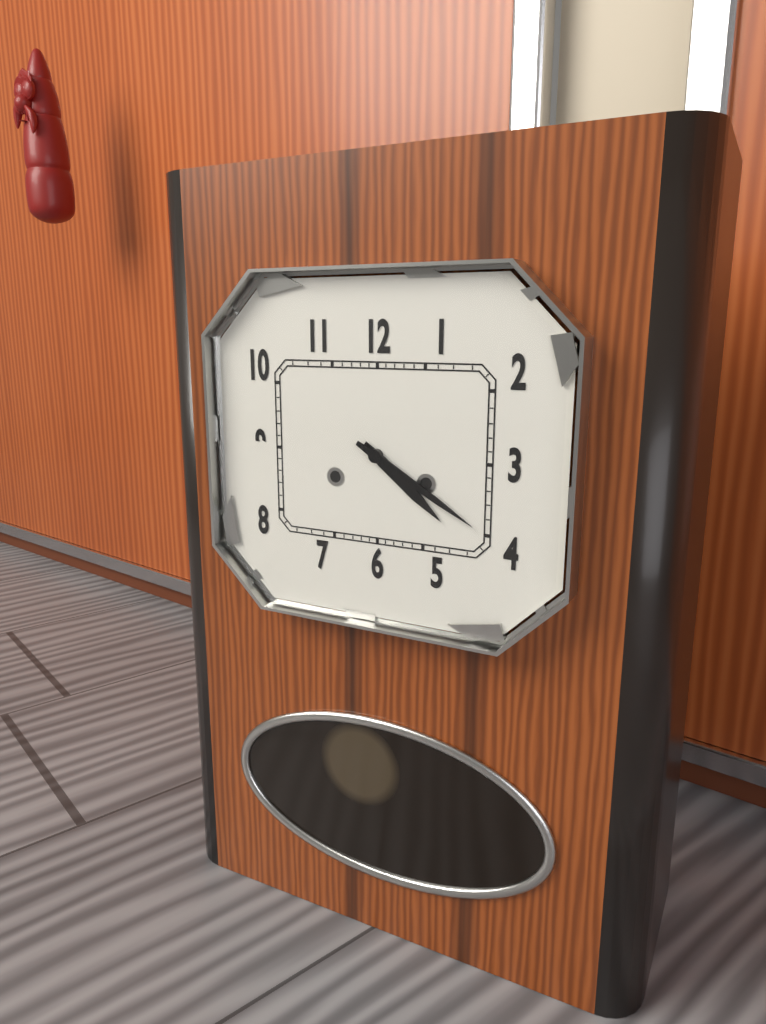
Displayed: 4h20
